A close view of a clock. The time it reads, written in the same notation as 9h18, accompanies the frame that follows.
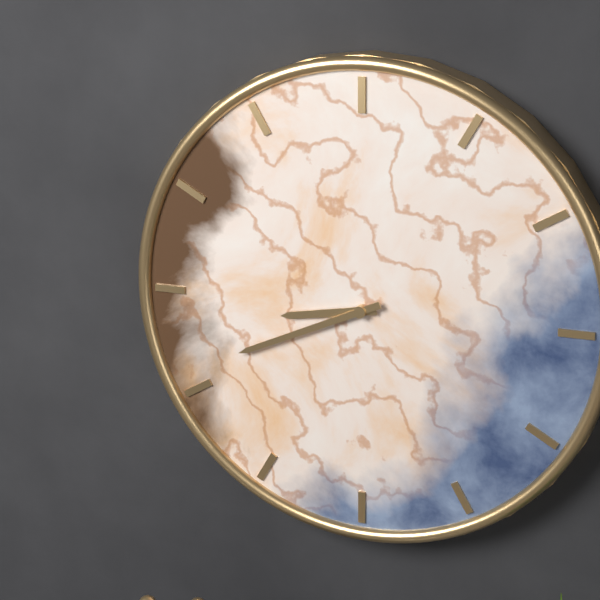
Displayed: 8h41
